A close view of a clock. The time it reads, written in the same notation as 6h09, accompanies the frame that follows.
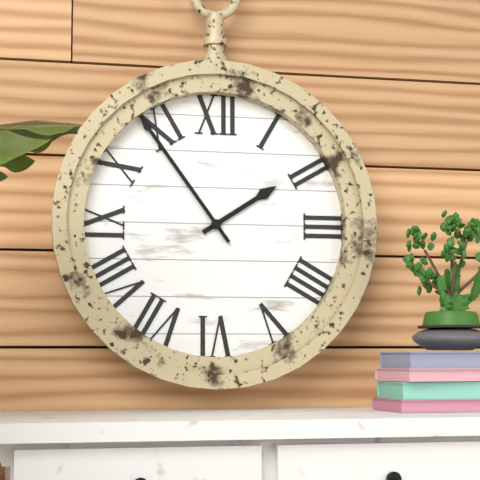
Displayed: 1h54
